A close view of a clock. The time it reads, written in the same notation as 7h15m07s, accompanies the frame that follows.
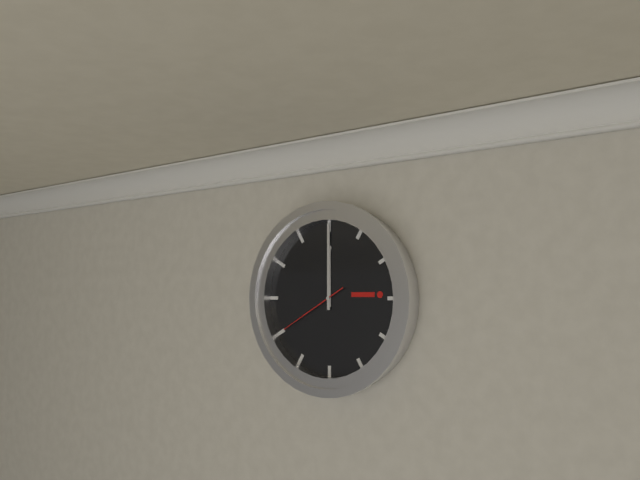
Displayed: 12h00m40s
